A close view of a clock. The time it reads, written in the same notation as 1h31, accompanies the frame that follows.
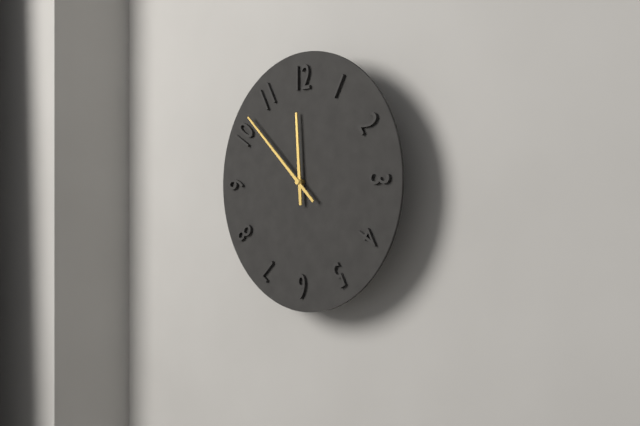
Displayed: 11h52
